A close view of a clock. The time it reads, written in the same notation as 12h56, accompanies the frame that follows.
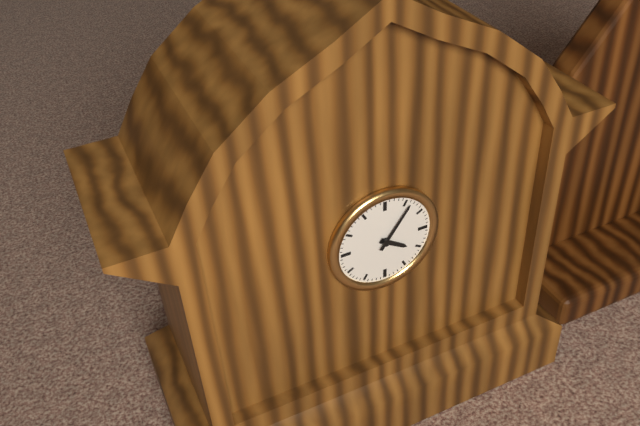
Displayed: 4h06
